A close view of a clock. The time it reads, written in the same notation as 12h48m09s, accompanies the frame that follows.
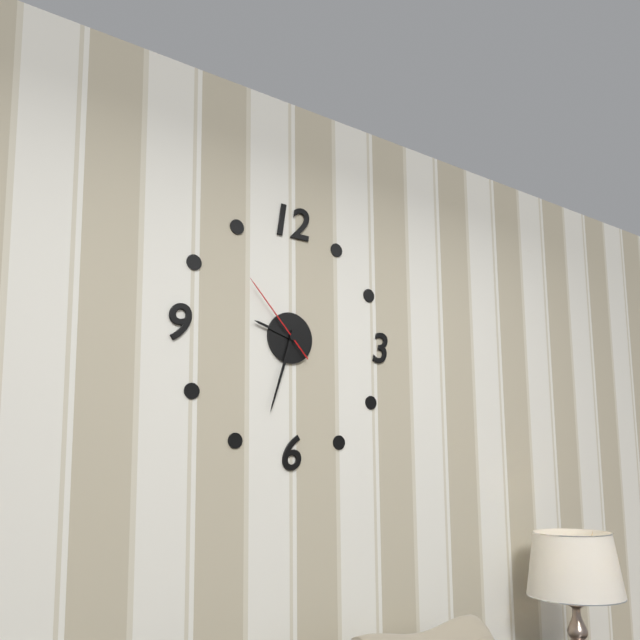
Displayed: 9h33m53s
